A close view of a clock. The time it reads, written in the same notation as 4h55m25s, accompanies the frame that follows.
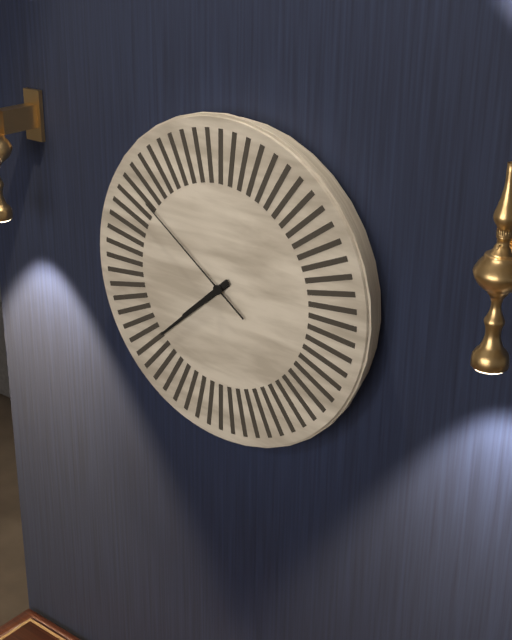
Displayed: 7h38m51s
